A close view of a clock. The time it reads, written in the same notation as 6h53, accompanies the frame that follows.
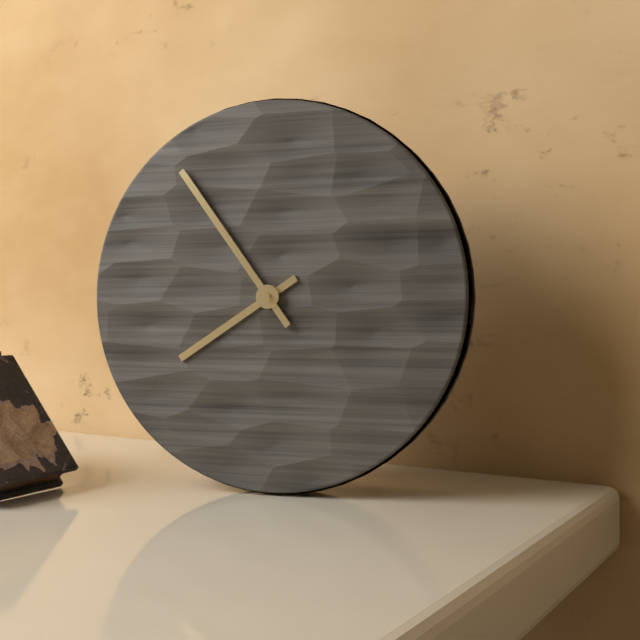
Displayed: 7h54
